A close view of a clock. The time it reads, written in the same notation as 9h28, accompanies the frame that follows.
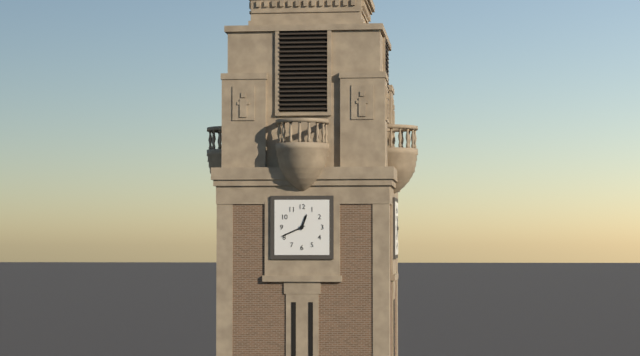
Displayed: 12h41
